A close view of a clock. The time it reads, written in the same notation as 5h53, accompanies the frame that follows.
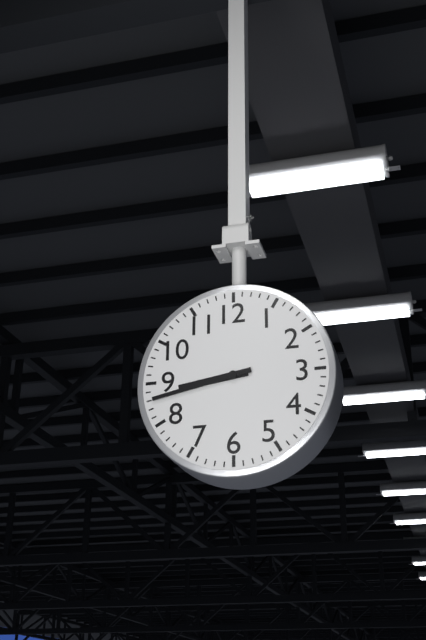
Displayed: 8h43
